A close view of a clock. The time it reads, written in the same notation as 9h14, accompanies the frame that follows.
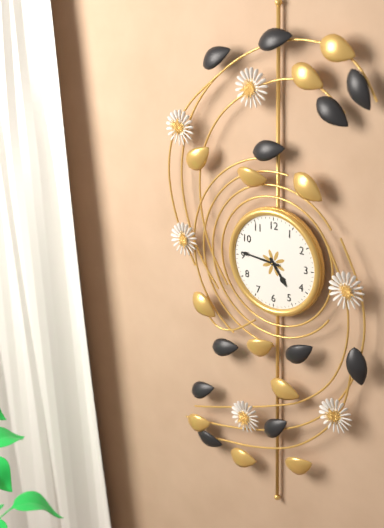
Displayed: 4h46
